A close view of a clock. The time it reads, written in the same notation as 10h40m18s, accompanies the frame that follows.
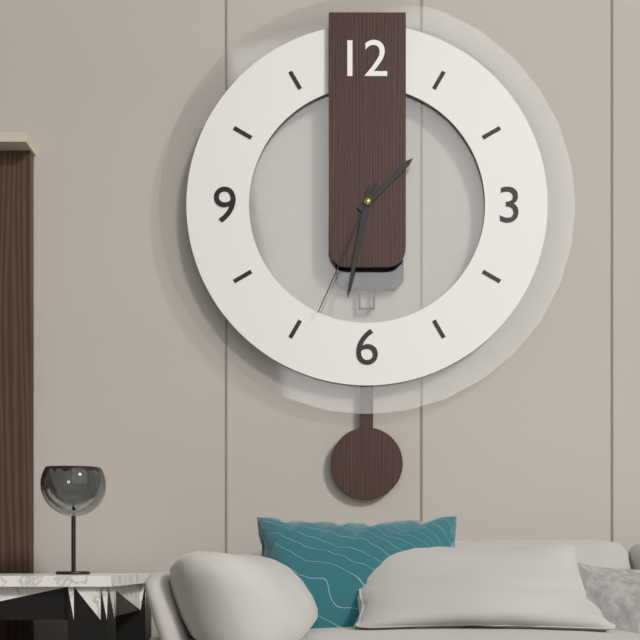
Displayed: 1h32m34s
